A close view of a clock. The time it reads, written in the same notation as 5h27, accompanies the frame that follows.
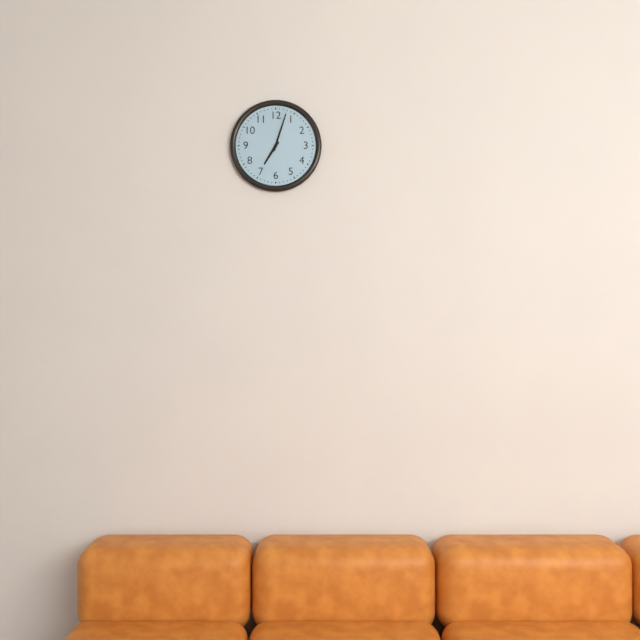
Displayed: 7h03
